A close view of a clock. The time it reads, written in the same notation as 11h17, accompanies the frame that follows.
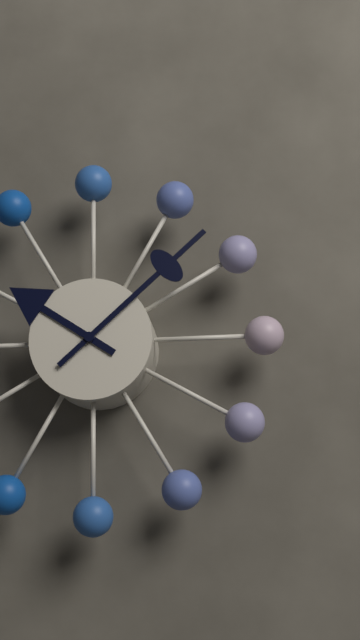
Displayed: 10h08
